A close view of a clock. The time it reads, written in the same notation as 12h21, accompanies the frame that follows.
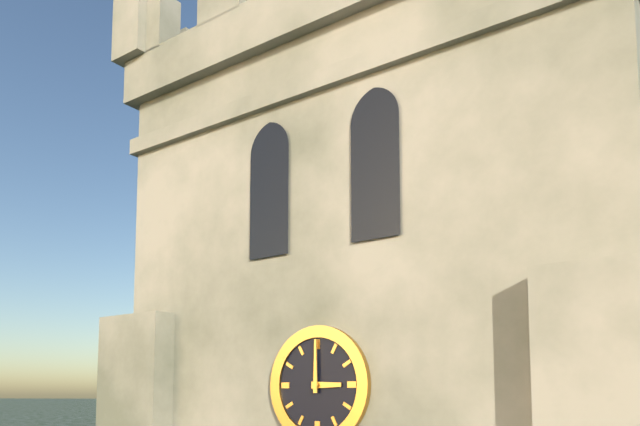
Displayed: 3h00
